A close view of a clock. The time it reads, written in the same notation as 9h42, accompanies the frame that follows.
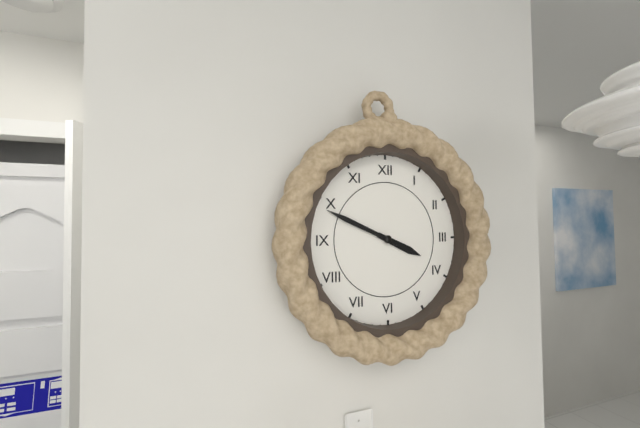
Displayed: 3h49
